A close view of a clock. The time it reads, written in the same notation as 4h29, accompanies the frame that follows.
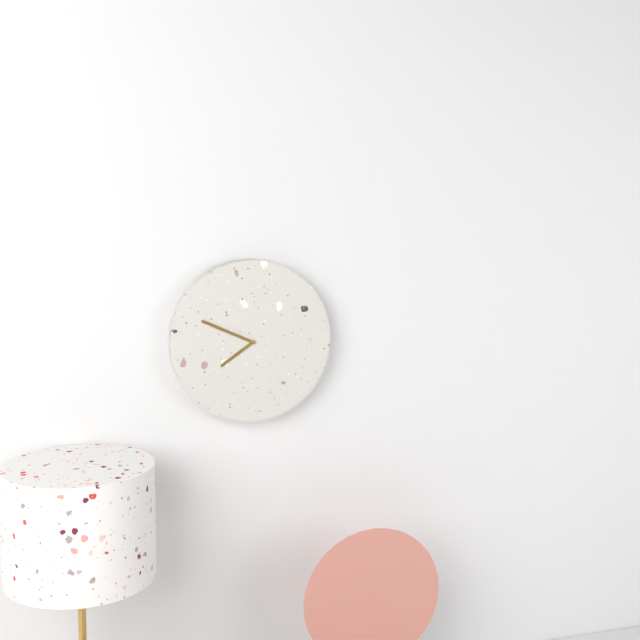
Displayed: 7h49
